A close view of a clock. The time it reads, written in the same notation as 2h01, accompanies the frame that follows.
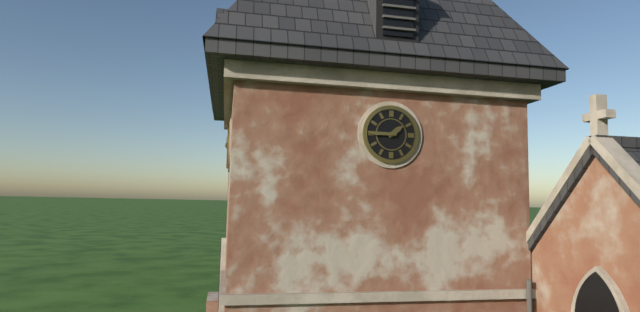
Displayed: 1h45
